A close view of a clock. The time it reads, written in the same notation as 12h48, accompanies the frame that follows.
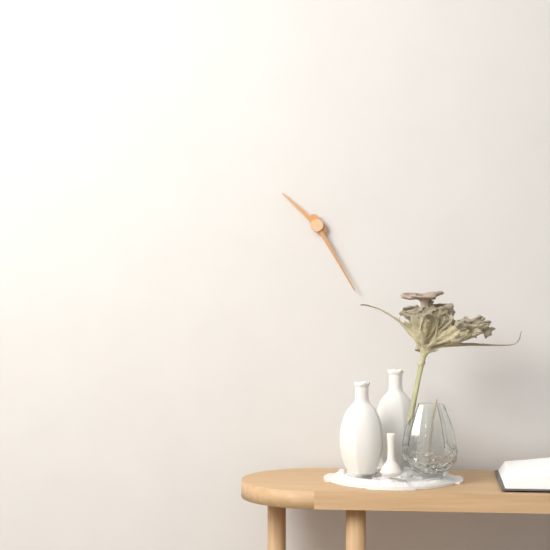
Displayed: 10h25
